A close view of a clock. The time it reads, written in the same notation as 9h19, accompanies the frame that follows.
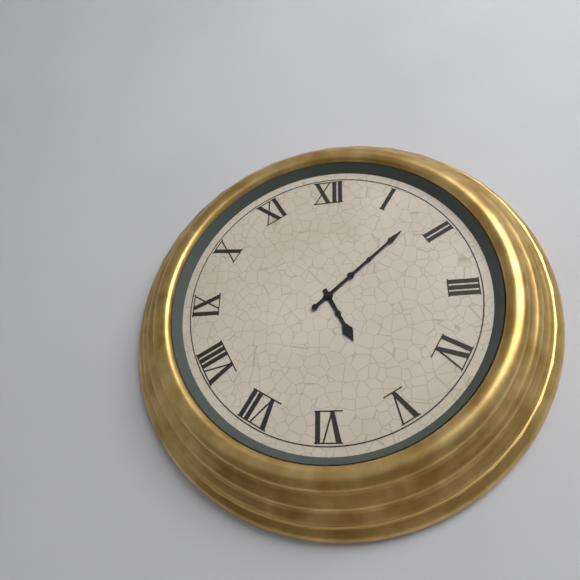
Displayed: 5h08
